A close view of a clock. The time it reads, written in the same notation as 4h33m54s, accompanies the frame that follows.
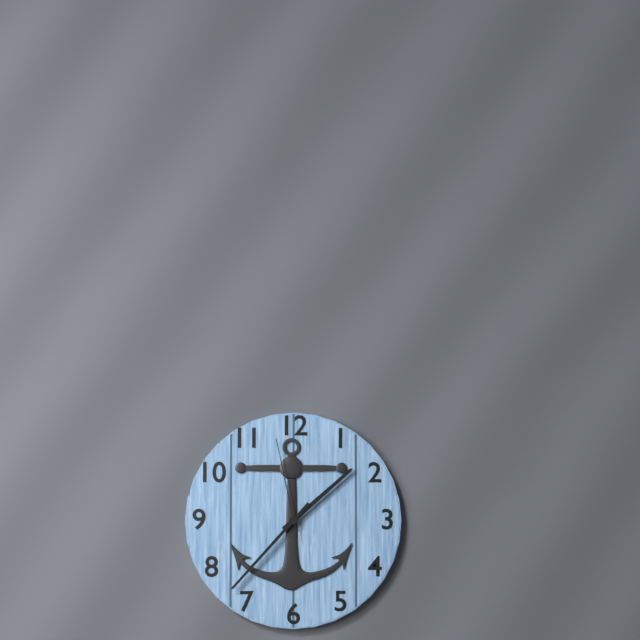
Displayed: 1h37m58s
